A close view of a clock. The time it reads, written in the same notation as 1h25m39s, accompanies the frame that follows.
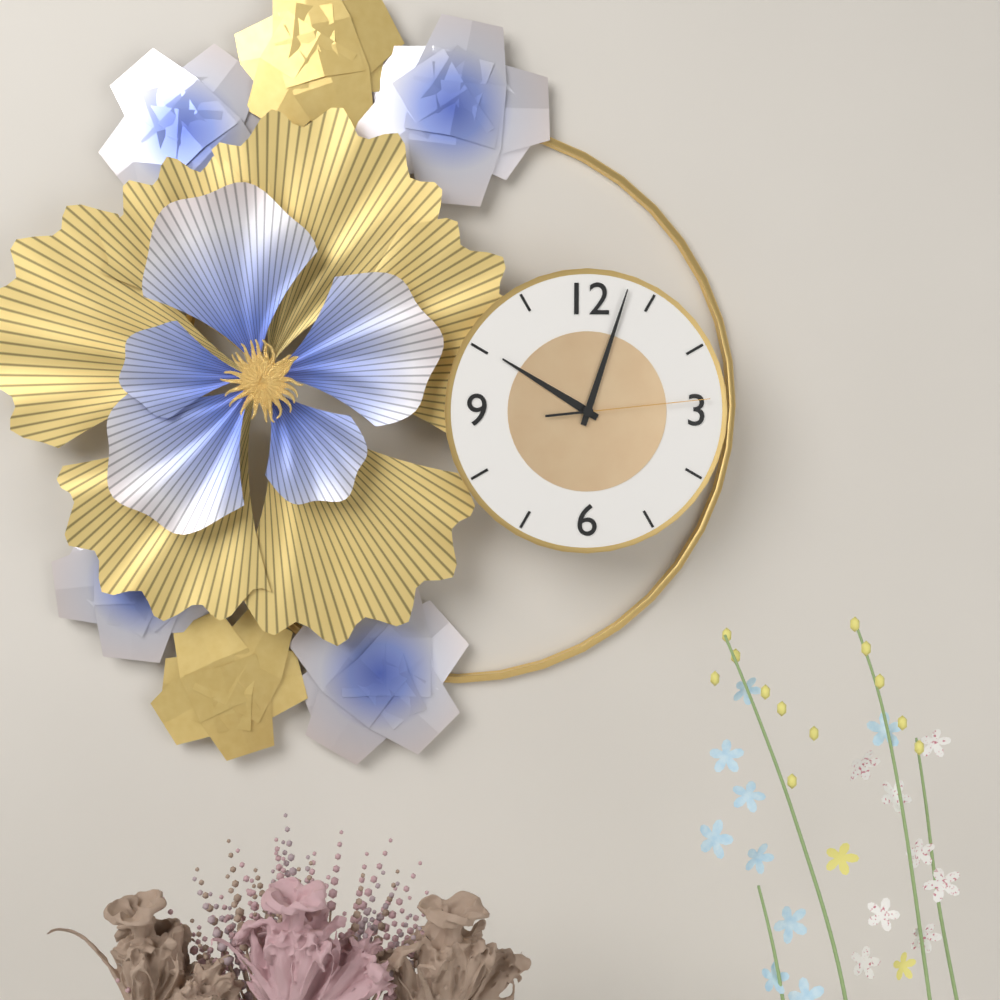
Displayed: 10h03m14s
